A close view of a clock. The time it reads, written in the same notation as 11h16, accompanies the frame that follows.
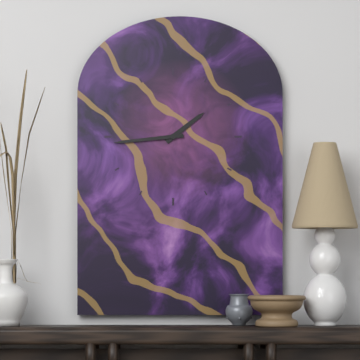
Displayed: 1h44
